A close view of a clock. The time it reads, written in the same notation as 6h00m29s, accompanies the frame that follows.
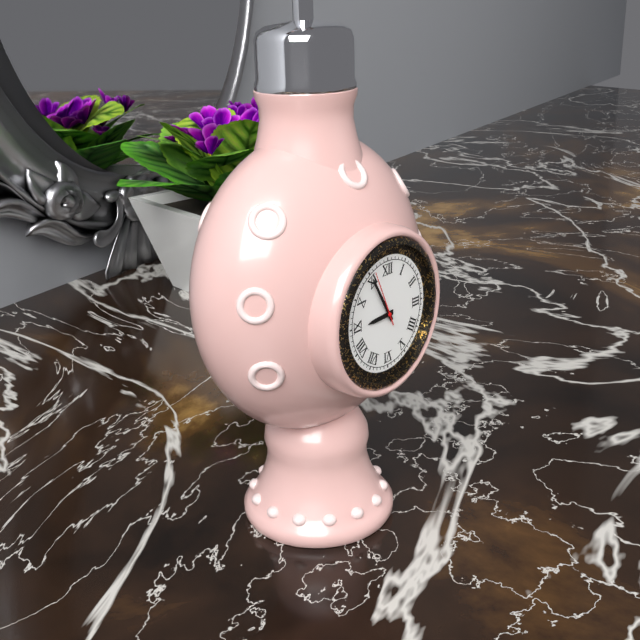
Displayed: 8h55m56s
